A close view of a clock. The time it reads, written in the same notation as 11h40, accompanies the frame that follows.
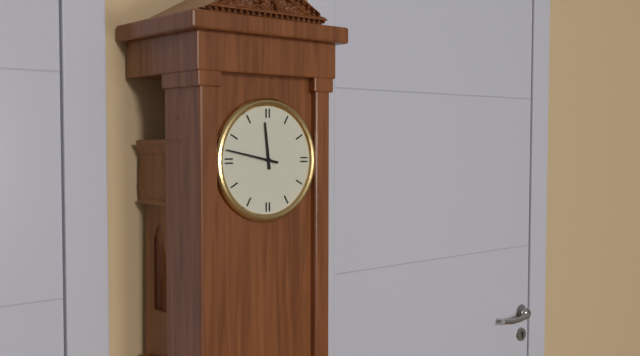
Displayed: 11h47
